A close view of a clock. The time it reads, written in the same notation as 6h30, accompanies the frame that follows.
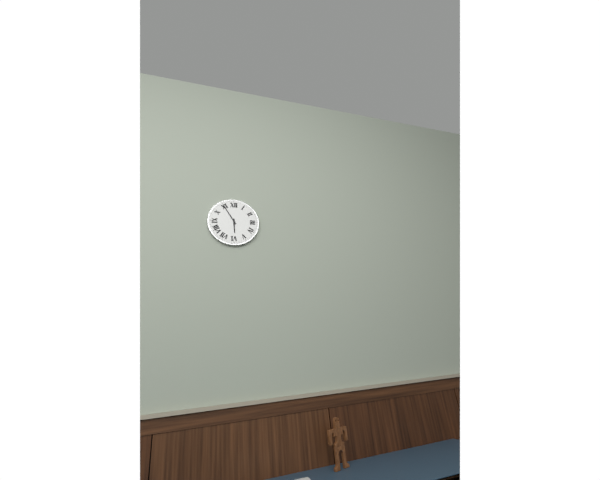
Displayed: 5h55
